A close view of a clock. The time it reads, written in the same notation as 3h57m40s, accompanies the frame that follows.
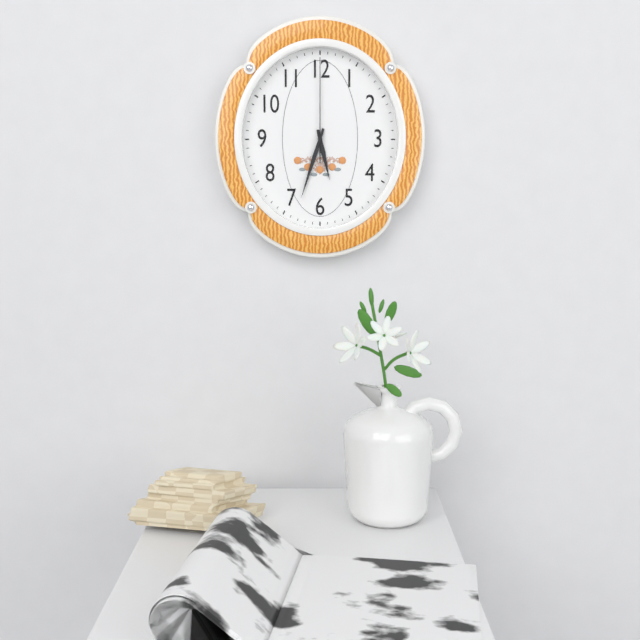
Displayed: 5h33m00s
